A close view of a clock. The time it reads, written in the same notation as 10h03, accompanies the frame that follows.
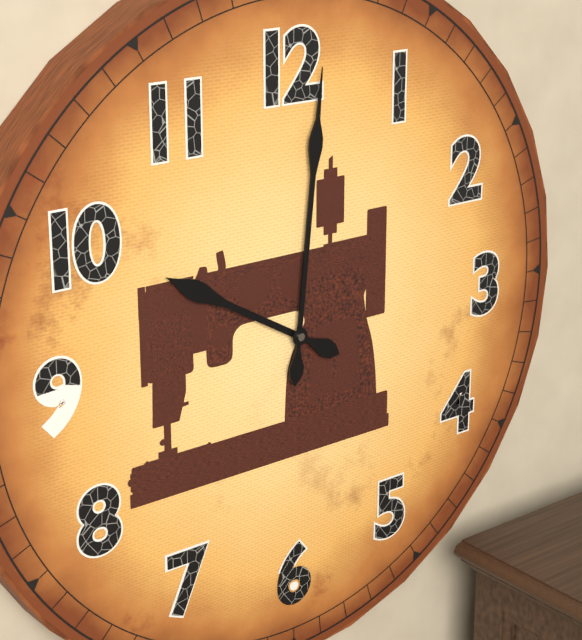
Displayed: 10h01
